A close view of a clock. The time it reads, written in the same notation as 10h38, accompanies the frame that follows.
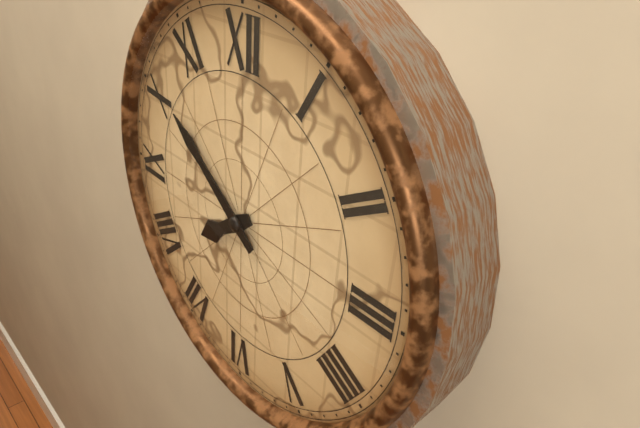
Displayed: 7h51
